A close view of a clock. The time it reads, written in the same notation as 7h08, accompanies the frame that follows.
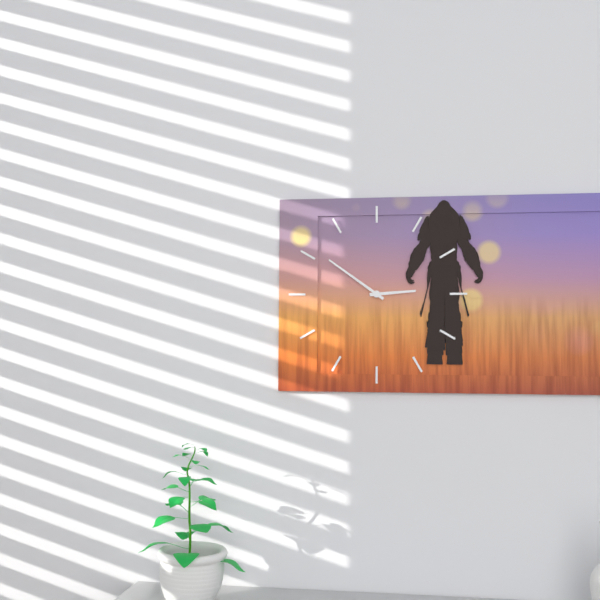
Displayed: 2h51
